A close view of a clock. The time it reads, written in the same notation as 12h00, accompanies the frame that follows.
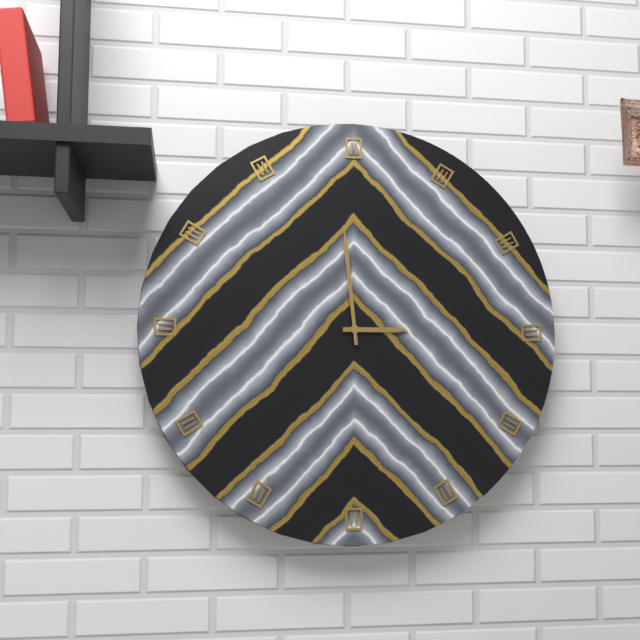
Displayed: 2h59
